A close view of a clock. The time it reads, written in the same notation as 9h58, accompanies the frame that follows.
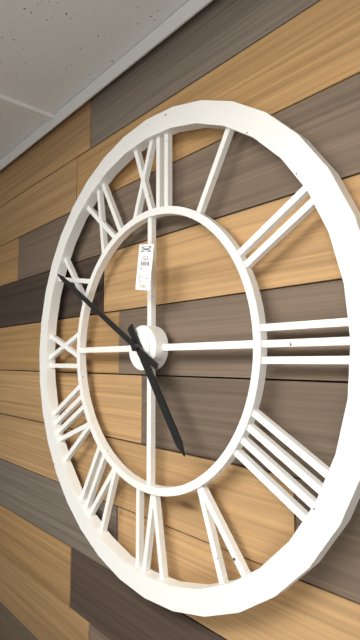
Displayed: 4h50
